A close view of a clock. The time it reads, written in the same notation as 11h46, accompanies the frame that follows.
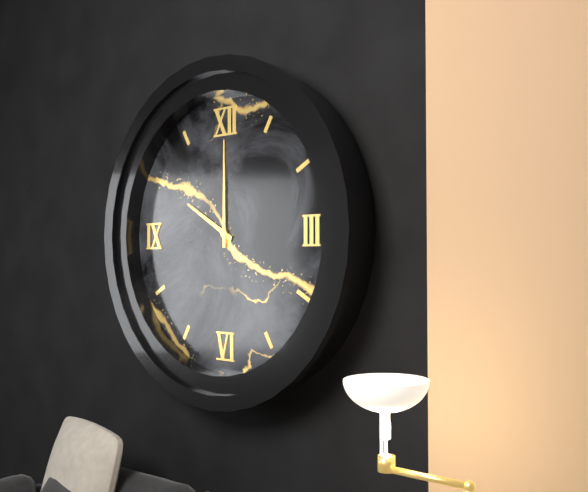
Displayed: 10h00
